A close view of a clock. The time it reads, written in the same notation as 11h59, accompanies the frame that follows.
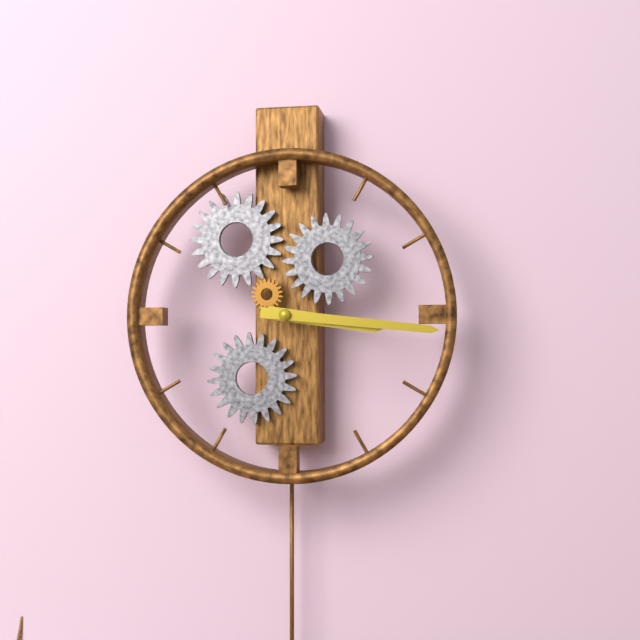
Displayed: 3h16
